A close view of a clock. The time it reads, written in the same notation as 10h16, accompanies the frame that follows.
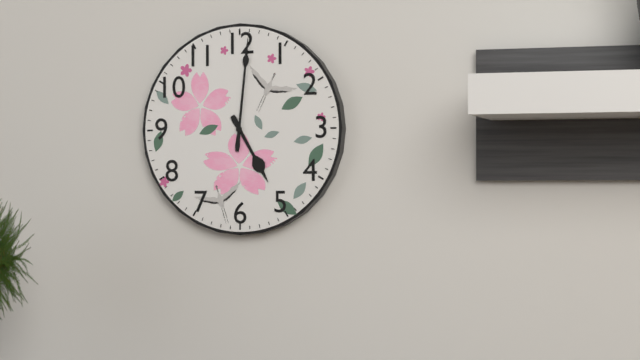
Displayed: 5h01
